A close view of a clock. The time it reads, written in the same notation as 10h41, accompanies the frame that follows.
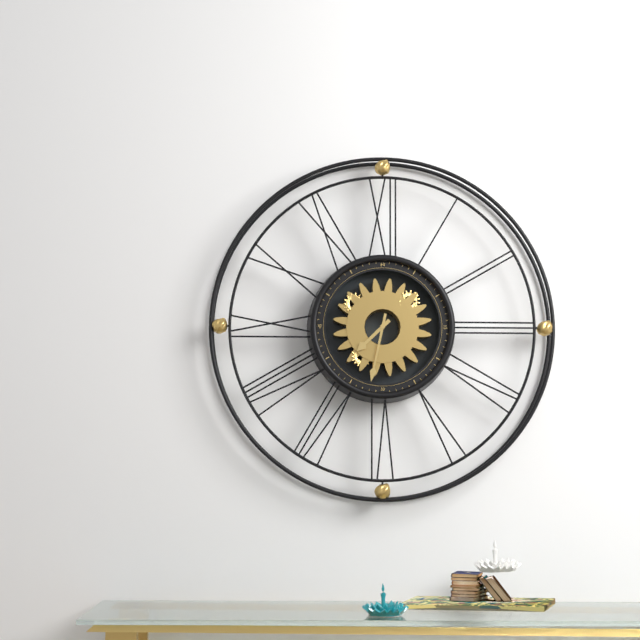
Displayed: 7h32
